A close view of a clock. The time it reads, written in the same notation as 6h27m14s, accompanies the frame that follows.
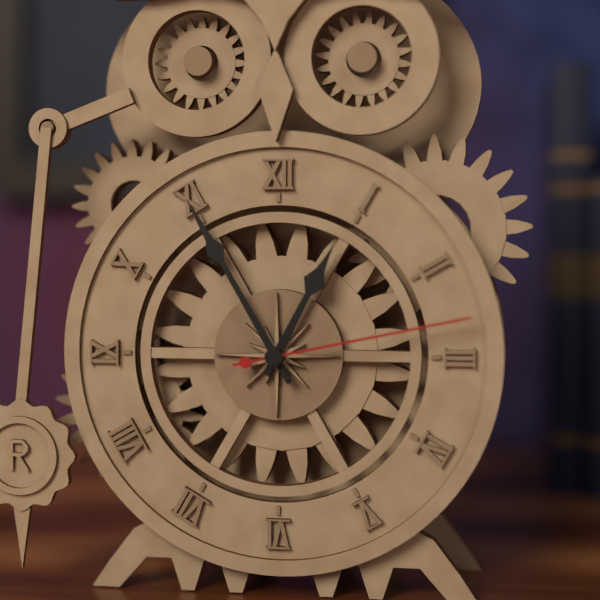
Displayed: 12h55m13s
